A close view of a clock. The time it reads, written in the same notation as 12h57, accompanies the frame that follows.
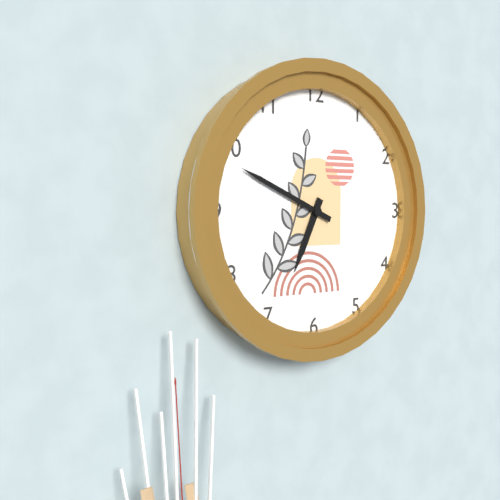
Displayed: 6h49
